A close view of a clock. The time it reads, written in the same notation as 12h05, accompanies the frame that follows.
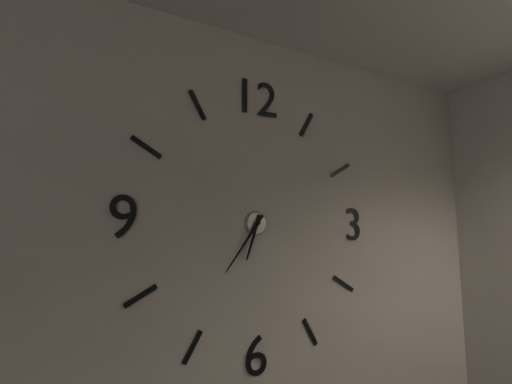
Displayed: 6h36
